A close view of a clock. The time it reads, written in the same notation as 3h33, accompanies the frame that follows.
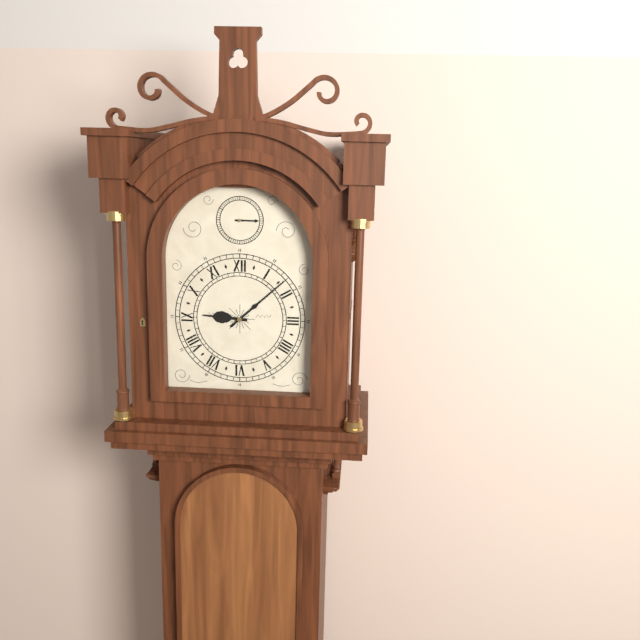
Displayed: 9h08
